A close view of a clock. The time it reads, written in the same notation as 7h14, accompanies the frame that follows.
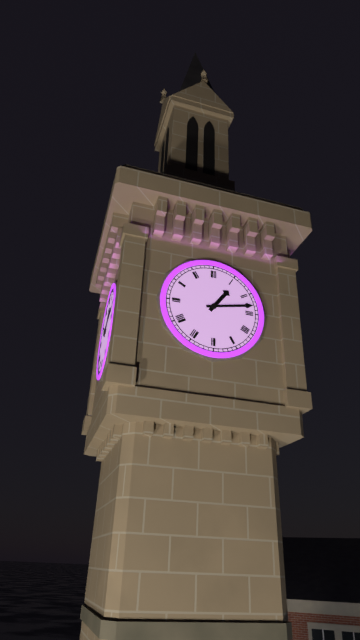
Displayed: 1h13
